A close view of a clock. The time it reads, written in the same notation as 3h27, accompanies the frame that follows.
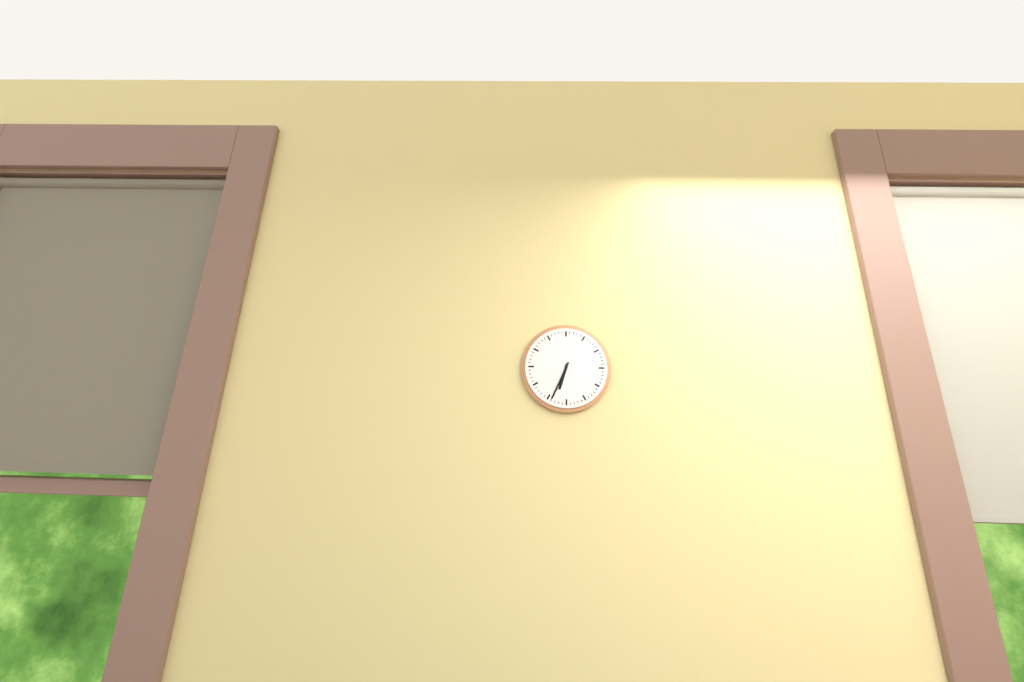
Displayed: 6h34
